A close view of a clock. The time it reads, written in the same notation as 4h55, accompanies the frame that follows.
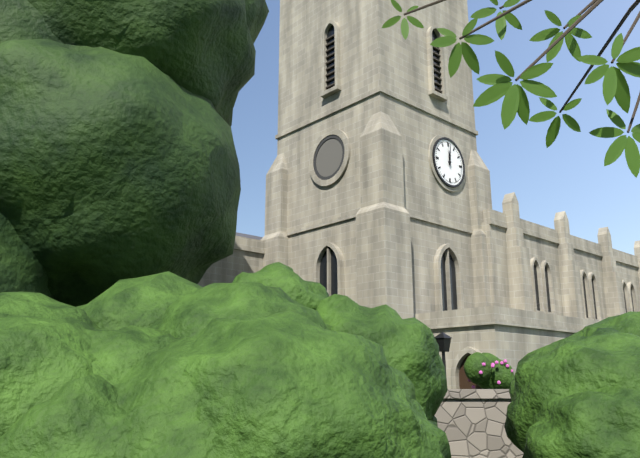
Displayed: 12h01
